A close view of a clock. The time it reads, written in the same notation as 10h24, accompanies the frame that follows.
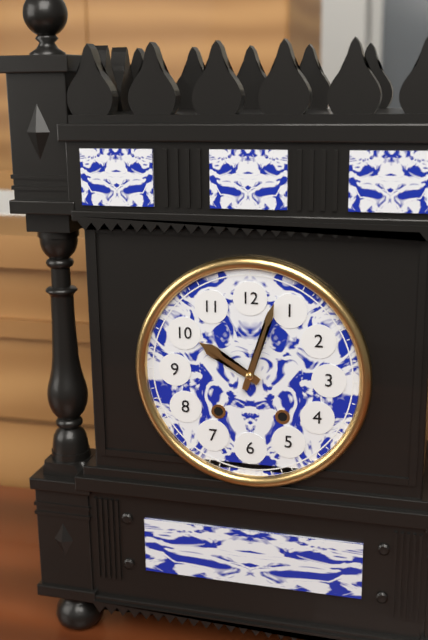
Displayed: 10h03
